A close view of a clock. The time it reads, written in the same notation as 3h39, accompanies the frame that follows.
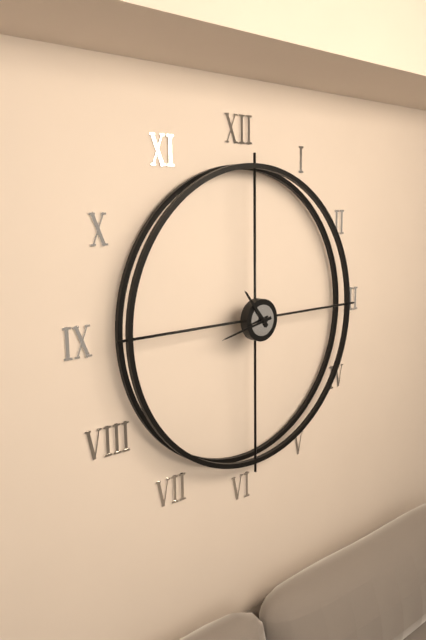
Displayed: 10h43
